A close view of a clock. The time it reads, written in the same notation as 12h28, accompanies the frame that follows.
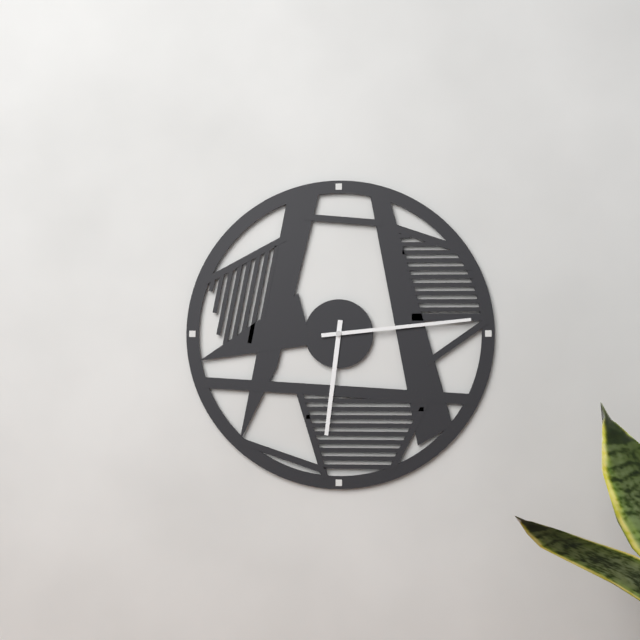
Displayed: 6h14
